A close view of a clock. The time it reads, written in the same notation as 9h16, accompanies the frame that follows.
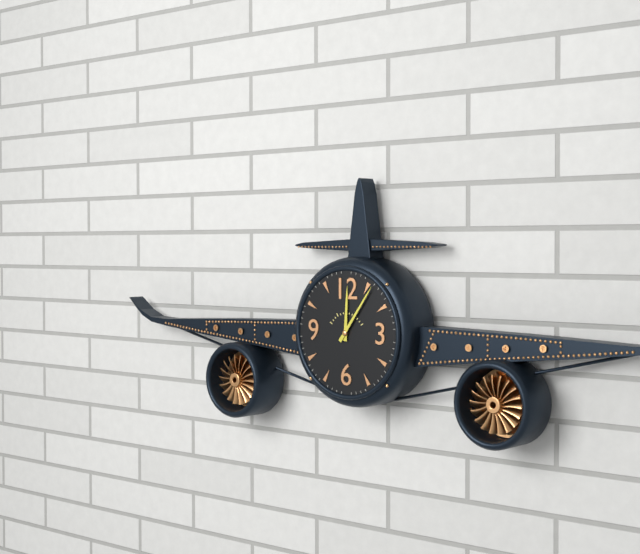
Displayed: 12h06
